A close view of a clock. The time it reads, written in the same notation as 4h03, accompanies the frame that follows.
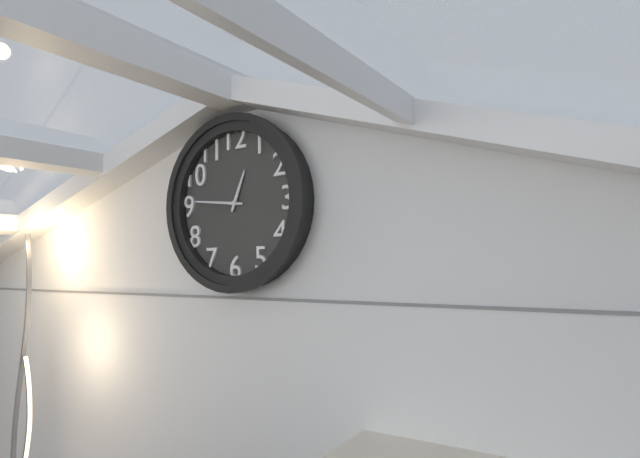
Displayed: 12h46
